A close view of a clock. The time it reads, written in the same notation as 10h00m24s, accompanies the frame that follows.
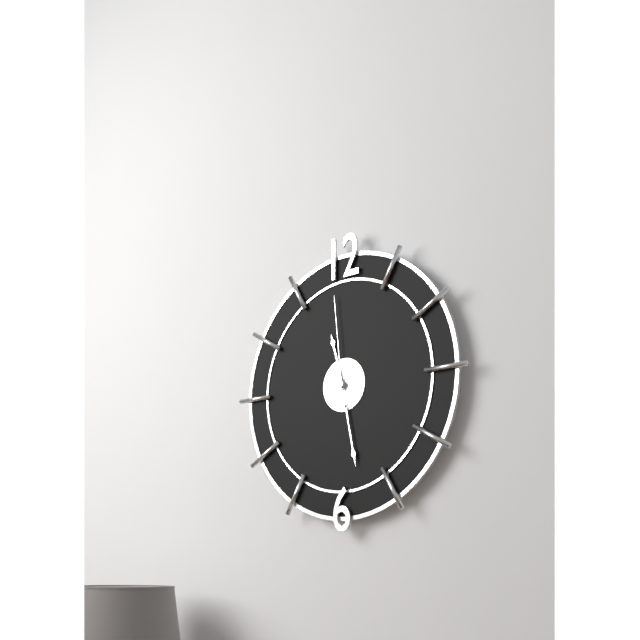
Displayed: 11h28m59s
